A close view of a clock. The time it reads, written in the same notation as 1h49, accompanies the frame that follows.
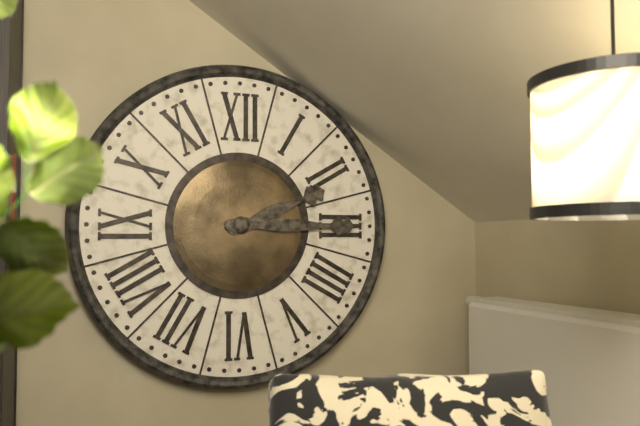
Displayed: 2h15
